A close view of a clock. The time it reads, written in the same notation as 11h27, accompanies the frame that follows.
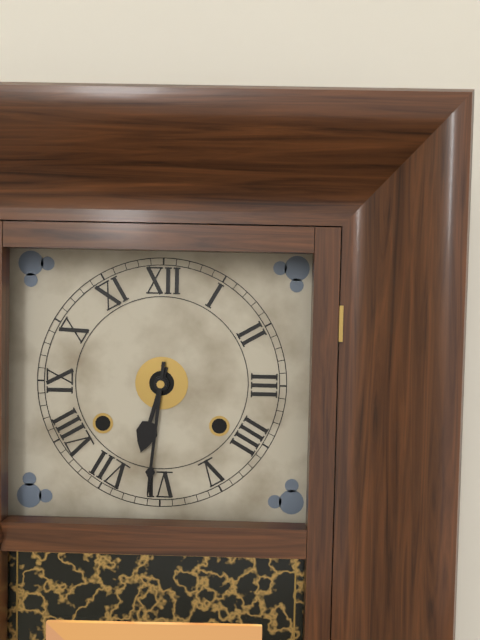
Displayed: 6h31
